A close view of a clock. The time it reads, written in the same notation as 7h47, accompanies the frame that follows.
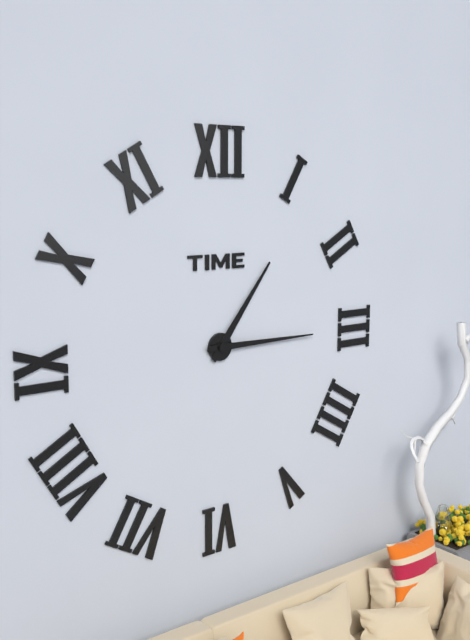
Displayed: 1h15
